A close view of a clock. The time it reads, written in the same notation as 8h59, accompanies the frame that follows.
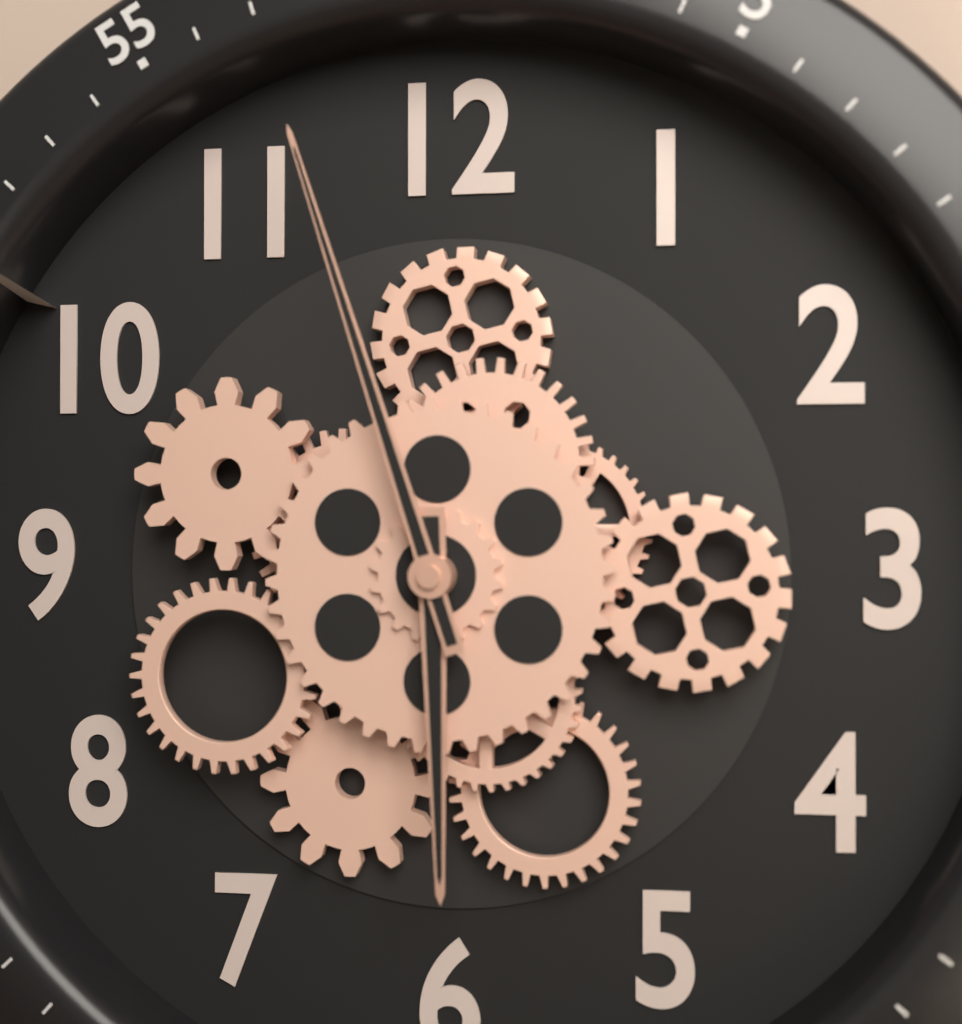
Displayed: 5h57
